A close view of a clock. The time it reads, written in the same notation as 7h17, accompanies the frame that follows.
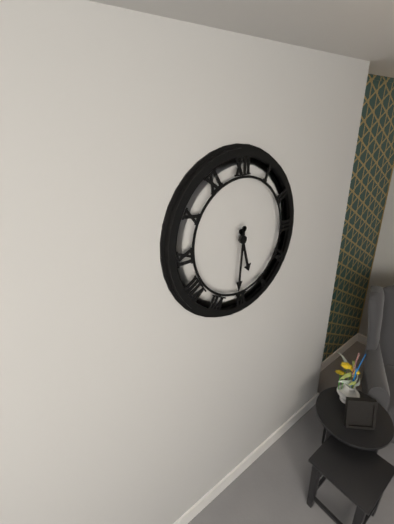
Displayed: 5h31
